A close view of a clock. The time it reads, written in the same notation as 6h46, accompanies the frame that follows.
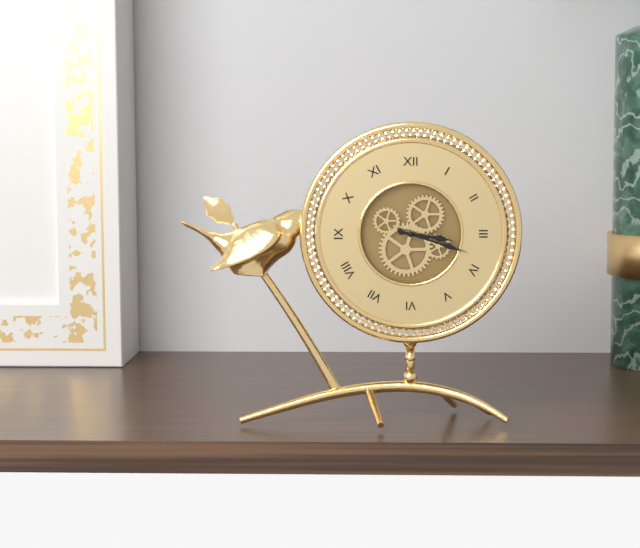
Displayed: 3h18
